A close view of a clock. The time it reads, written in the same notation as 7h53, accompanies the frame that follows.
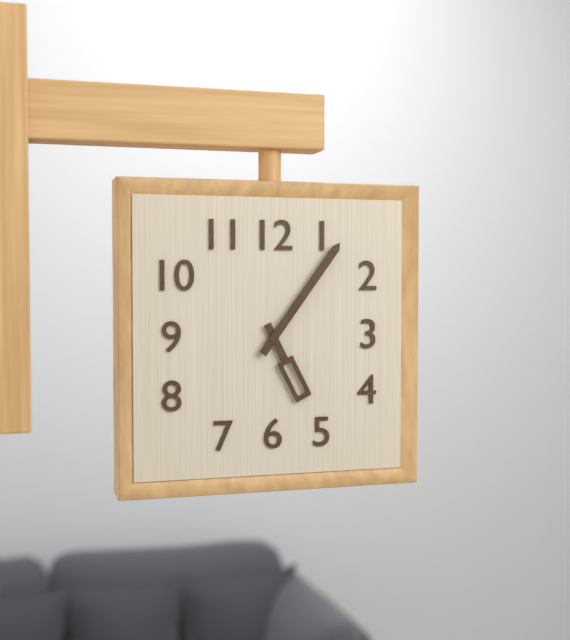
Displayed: 5h06
